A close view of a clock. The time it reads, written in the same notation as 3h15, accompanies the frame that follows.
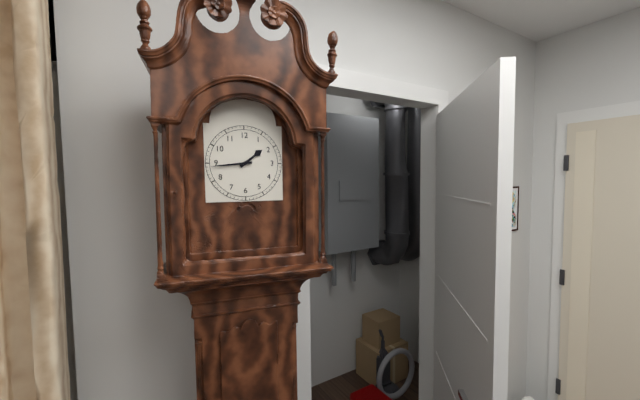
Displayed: 1h44
